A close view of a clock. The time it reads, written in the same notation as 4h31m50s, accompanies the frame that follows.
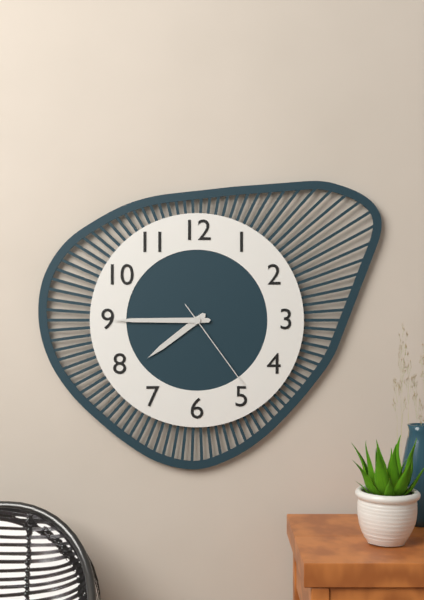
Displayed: 7h45m24s
